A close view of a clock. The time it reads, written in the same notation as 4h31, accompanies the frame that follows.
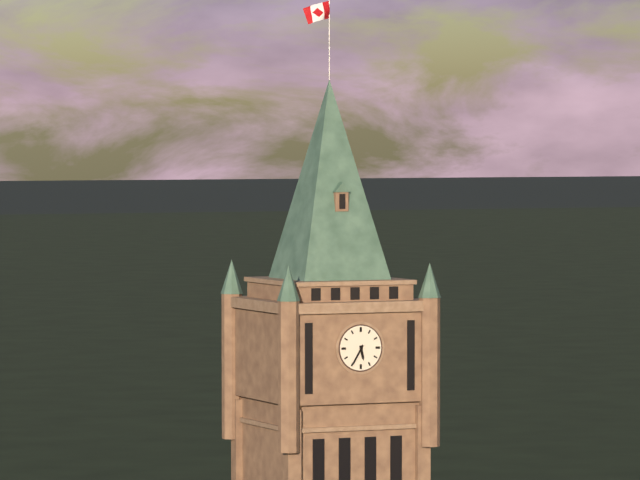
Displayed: 5h35
